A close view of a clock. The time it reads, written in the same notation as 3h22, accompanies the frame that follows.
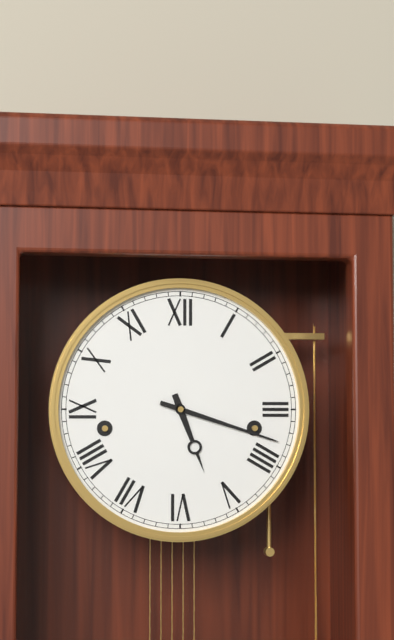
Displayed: 5h18
